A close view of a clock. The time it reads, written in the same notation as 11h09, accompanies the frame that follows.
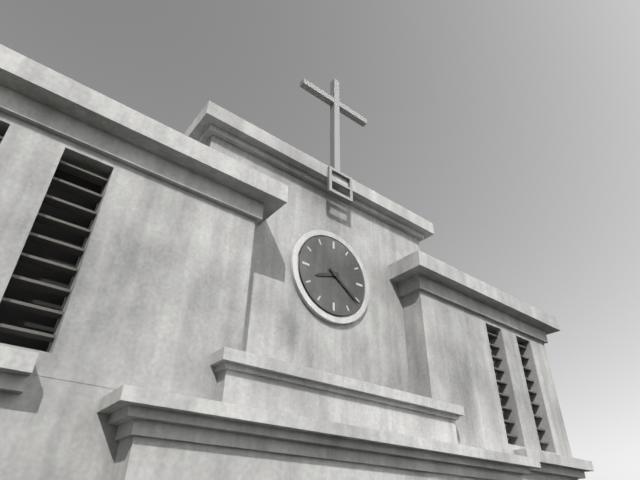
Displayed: 8h21
